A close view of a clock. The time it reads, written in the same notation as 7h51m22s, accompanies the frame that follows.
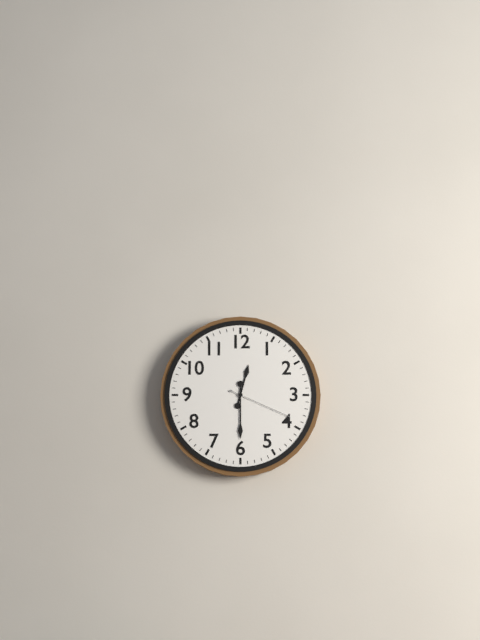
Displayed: 12h30m19s
